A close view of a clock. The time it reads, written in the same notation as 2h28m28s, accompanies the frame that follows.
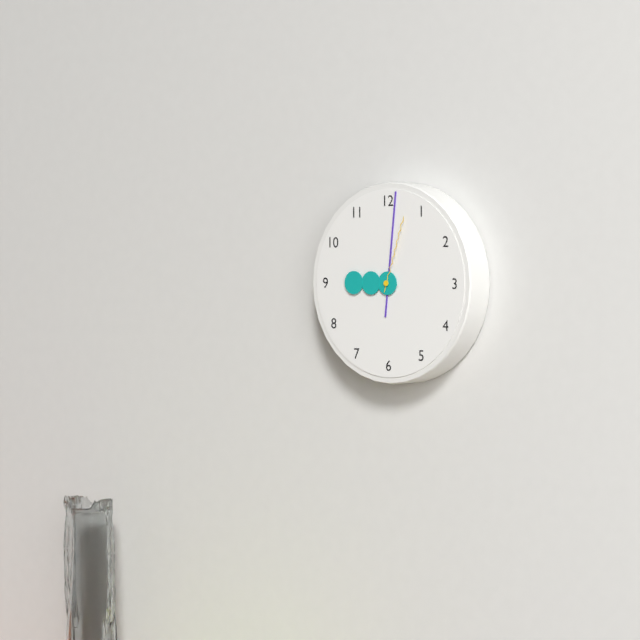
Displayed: 9h01m03s
